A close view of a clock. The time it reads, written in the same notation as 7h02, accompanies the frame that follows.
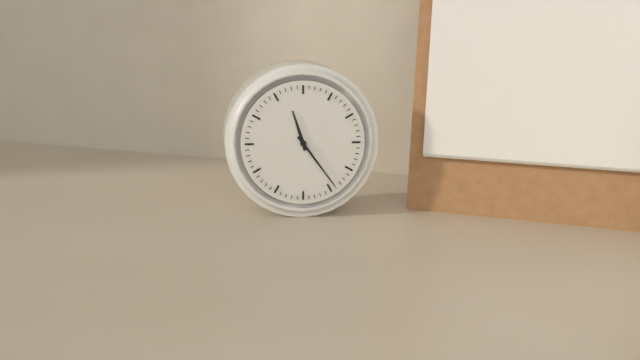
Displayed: 11h24
